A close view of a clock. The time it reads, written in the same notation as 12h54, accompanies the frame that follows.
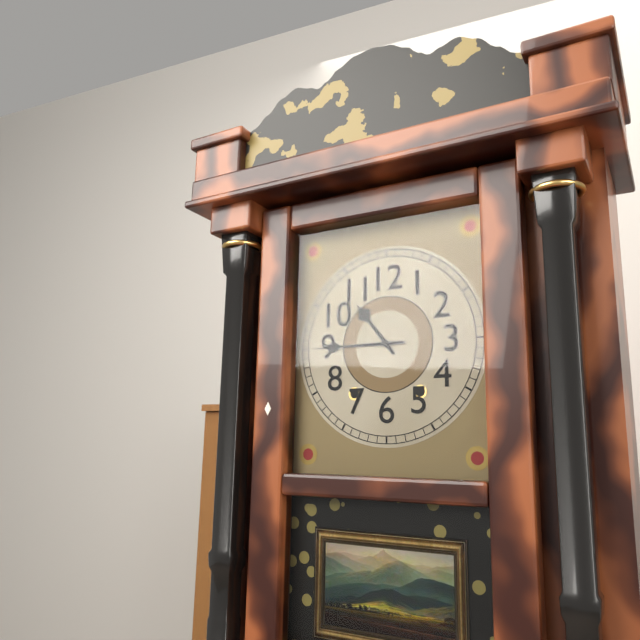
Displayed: 10h45
